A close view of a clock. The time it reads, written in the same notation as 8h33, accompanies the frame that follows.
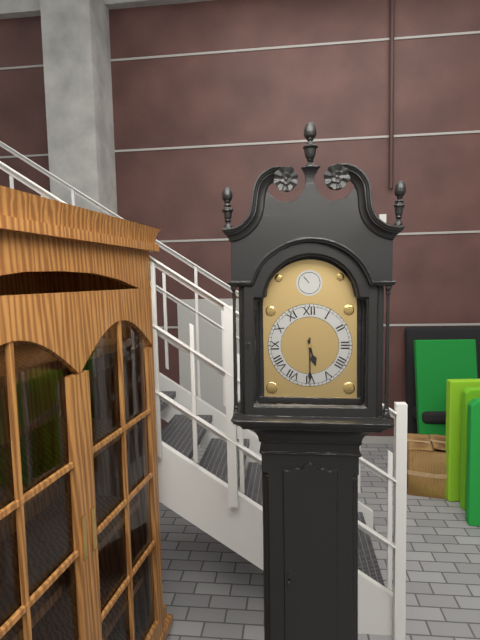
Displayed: 5h30
